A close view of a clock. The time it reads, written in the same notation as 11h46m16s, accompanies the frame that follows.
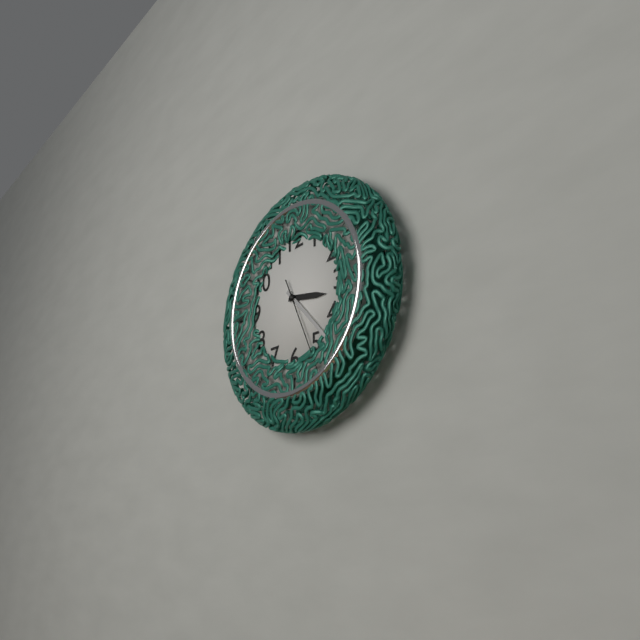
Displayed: 3h23m26s
